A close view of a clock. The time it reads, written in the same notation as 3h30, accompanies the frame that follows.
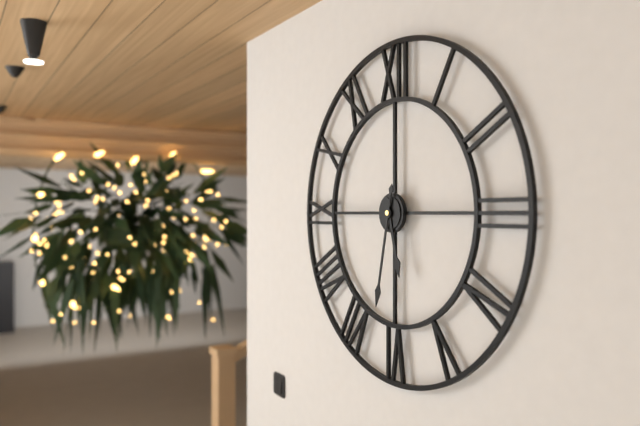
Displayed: 5h32
